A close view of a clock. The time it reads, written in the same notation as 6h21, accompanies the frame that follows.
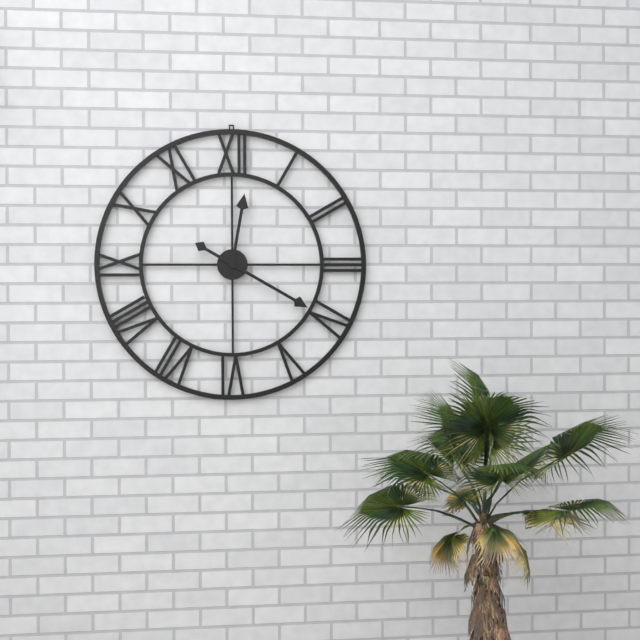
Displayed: 12h20
